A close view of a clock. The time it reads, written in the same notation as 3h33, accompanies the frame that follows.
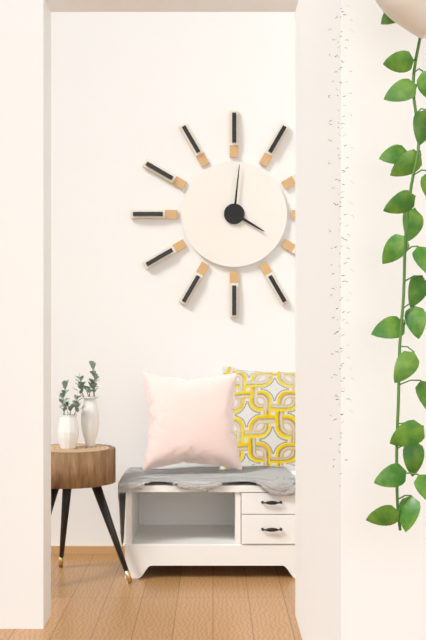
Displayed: 4h01
